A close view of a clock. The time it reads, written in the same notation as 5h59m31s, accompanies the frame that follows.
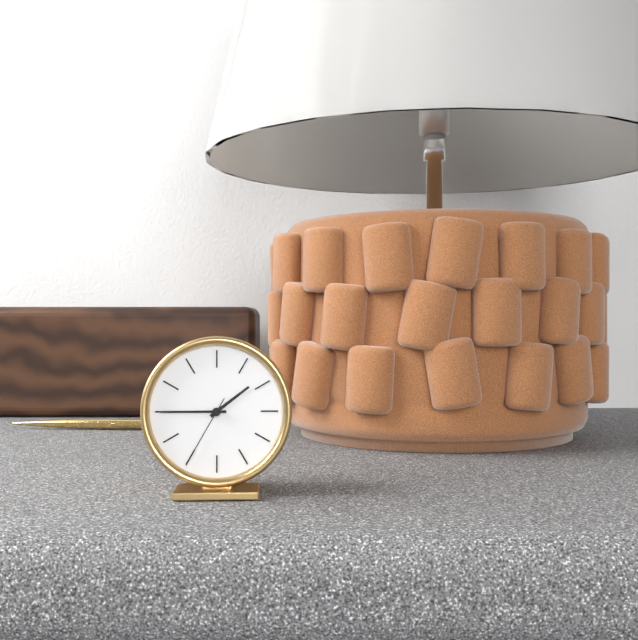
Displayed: 1h45m35s
